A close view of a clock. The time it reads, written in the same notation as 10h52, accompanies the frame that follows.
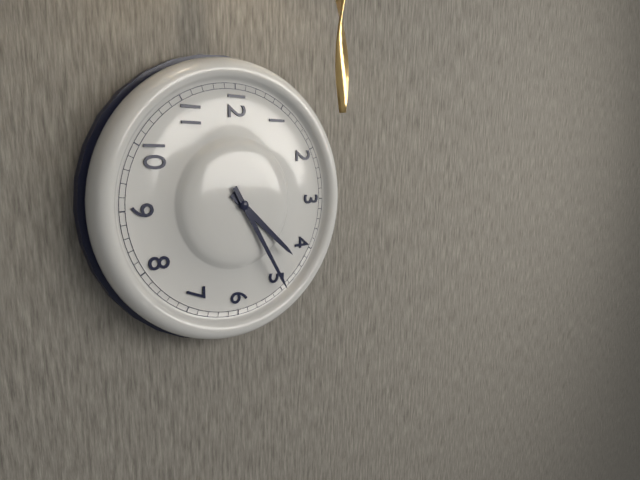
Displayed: 4h25
